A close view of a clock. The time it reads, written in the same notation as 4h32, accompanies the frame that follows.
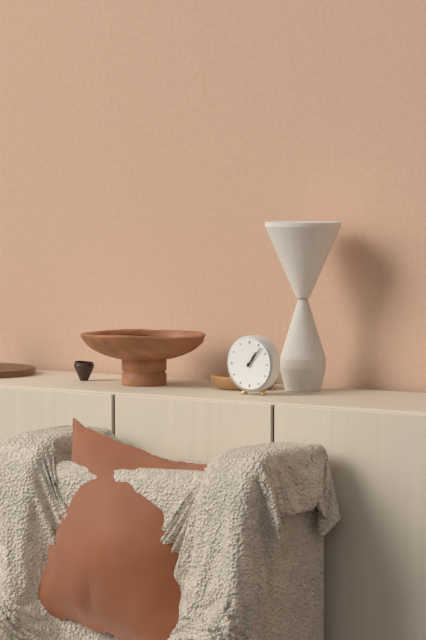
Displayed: 1h07
